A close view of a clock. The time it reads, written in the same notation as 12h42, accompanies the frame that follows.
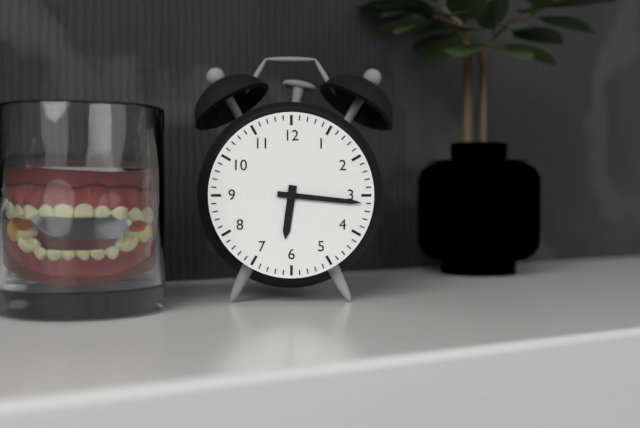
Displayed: 6h16
